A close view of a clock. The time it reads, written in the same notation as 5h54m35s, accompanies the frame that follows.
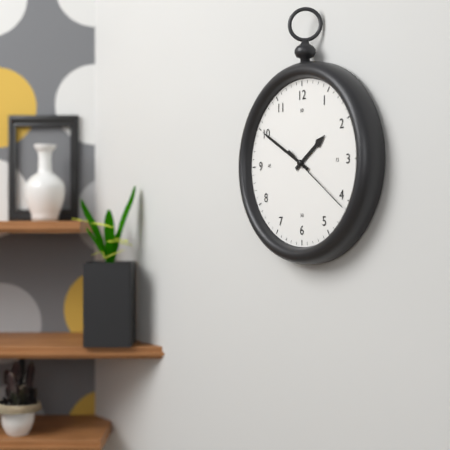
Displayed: 1h50m21s
